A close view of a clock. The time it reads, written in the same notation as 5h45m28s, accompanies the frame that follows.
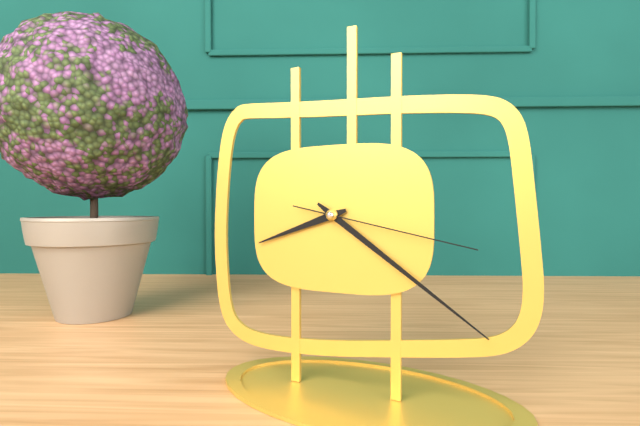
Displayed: 8h21m17s
